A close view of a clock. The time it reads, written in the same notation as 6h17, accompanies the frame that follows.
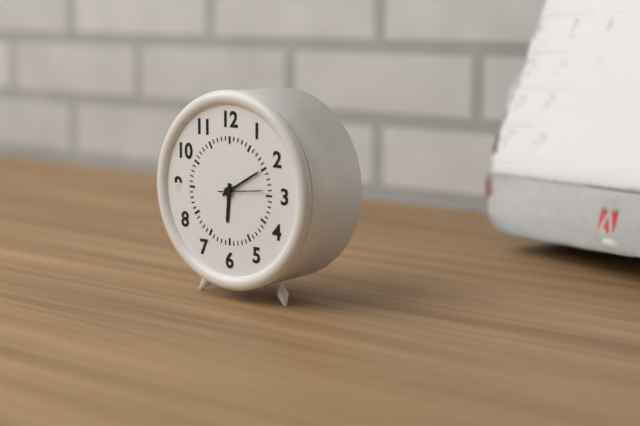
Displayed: 6h10
